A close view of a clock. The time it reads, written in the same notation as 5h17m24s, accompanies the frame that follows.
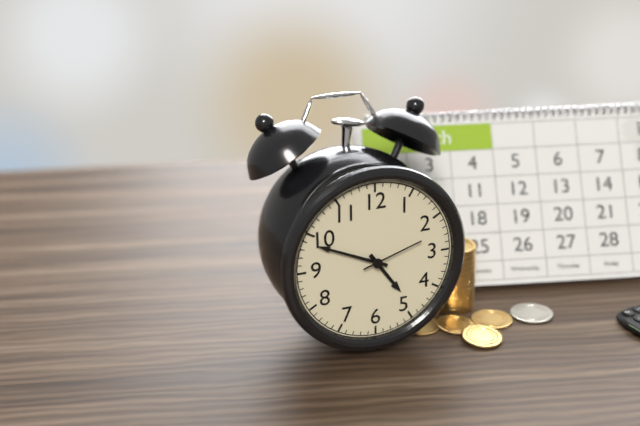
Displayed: 4h49m12s
